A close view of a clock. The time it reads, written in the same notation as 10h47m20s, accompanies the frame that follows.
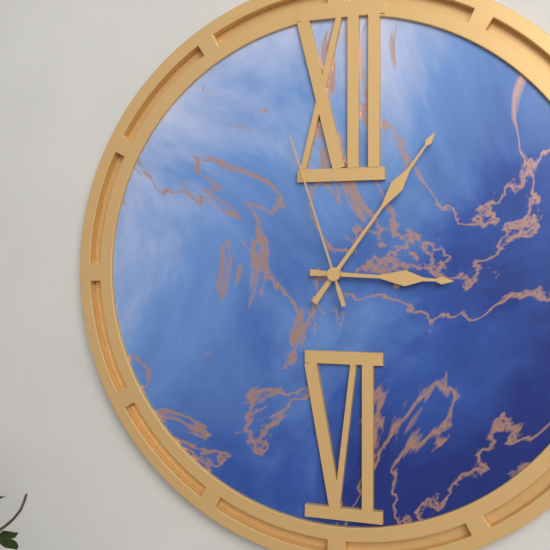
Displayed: 3h06m57s
